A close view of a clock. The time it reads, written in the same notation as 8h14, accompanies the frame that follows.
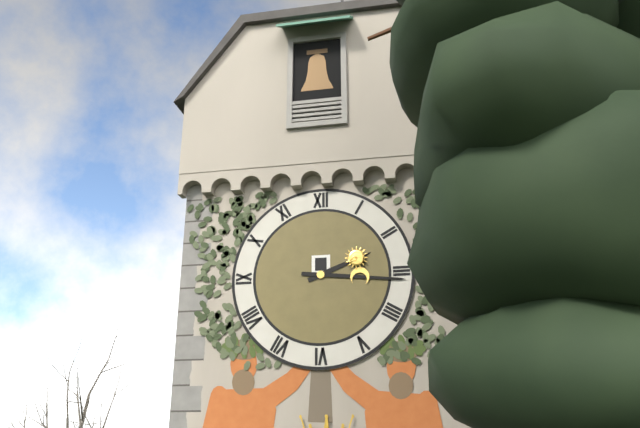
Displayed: 2h16
